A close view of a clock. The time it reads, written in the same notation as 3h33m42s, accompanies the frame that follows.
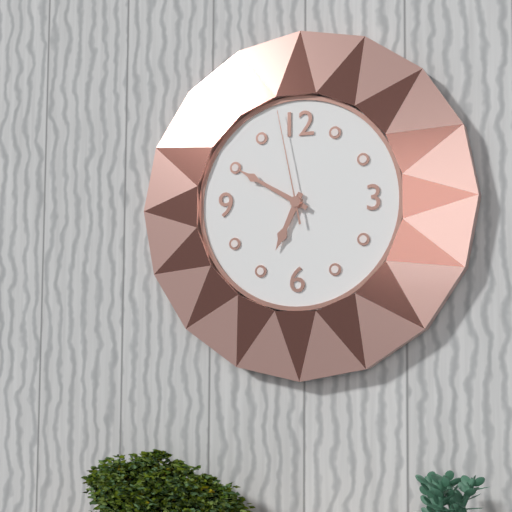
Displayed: 6h50m58s
